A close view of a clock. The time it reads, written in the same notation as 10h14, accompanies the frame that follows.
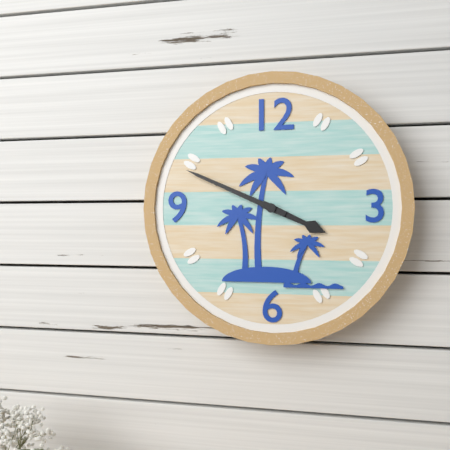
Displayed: 3h49
